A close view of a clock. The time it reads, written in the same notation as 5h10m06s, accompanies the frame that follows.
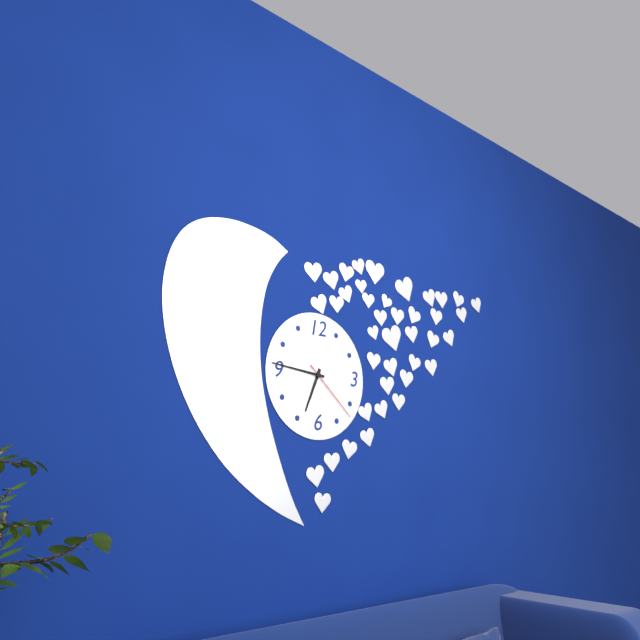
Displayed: 6h46m22s
